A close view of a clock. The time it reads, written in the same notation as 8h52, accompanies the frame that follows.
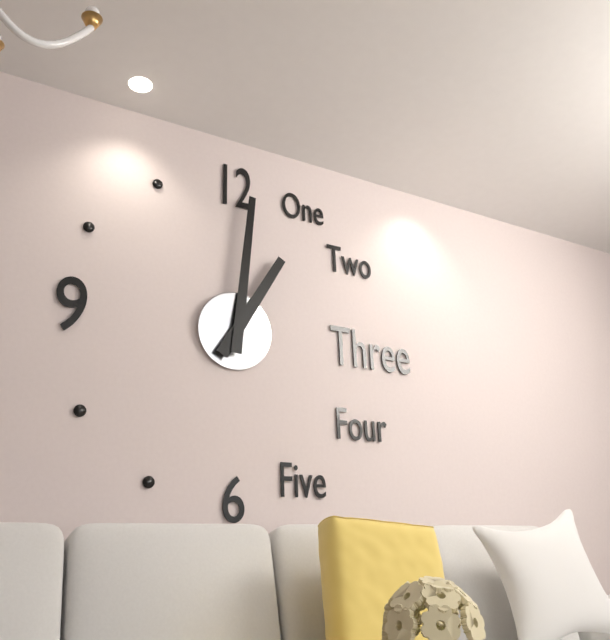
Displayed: 1h01
